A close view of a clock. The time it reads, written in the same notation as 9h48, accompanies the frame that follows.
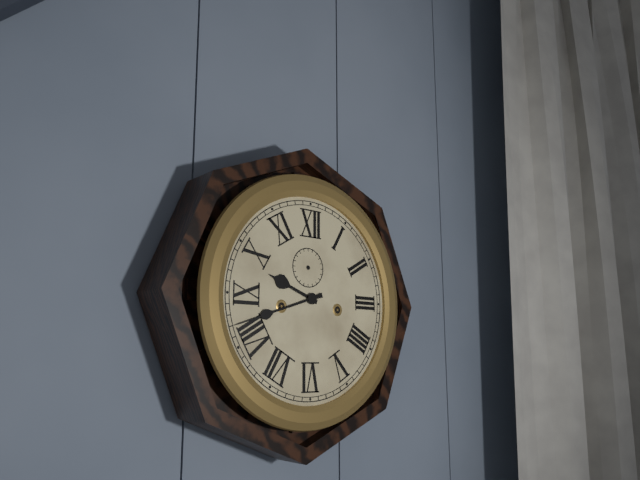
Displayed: 9h42
